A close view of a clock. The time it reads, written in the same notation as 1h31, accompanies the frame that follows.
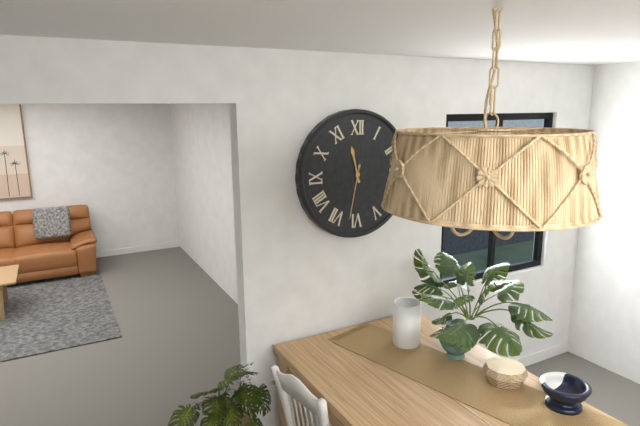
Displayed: 11h32
